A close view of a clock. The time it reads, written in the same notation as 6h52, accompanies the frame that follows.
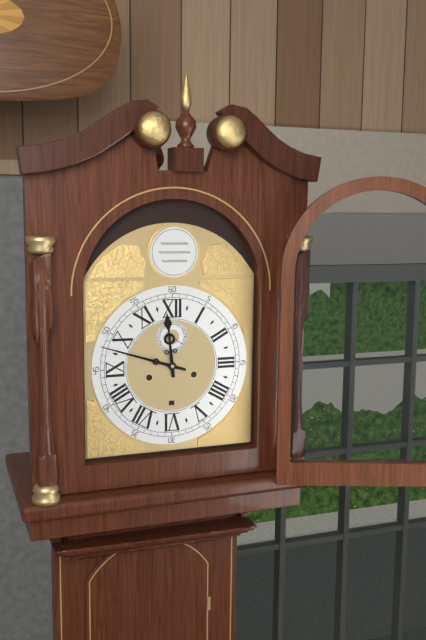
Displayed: 11h48
